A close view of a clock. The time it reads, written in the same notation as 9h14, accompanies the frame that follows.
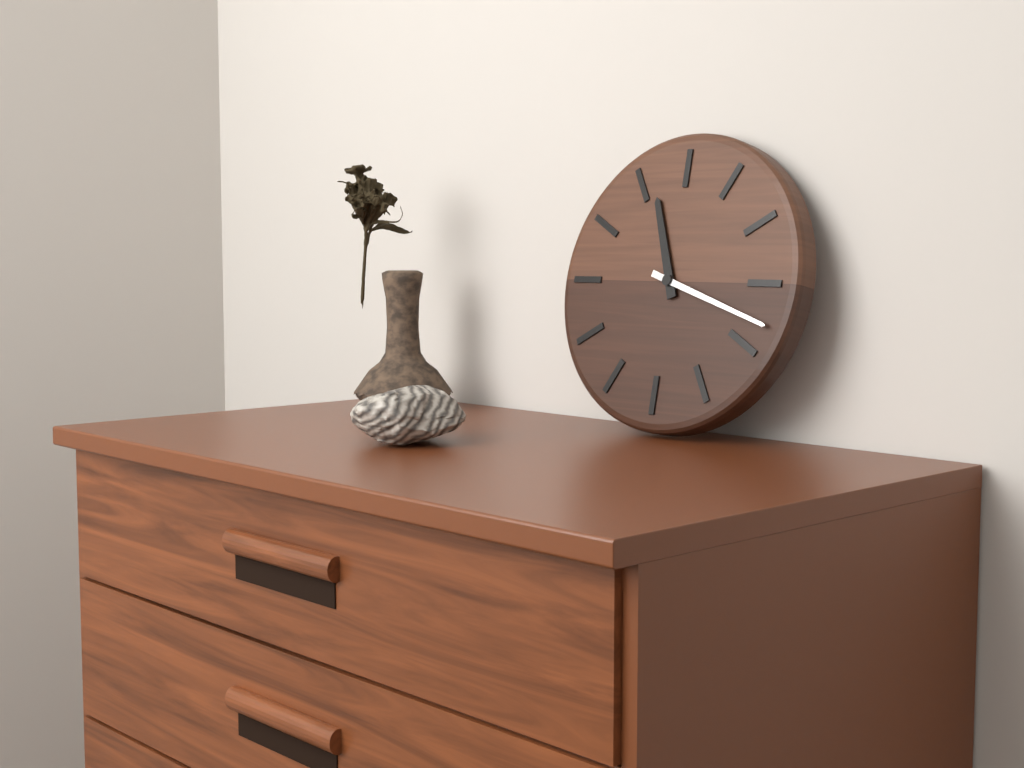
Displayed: 11h18
